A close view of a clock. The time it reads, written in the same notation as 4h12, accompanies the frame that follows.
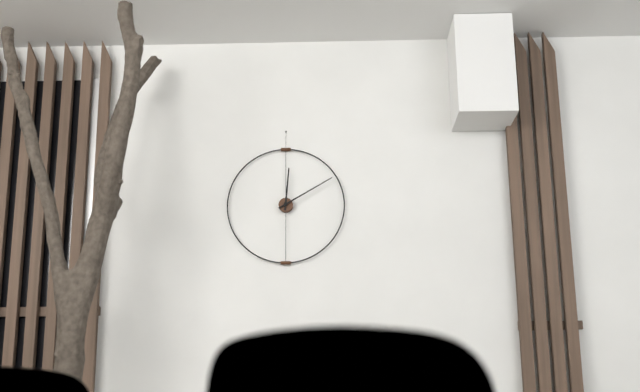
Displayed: 12h10
